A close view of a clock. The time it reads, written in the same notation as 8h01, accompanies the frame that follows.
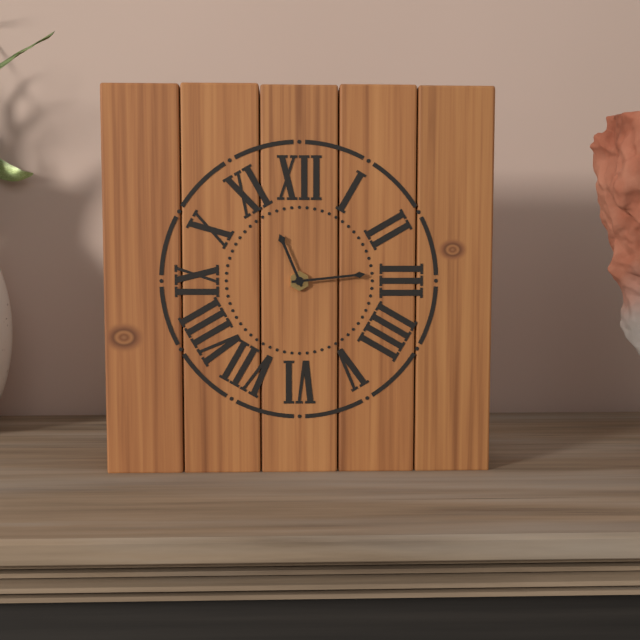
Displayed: 11h14
